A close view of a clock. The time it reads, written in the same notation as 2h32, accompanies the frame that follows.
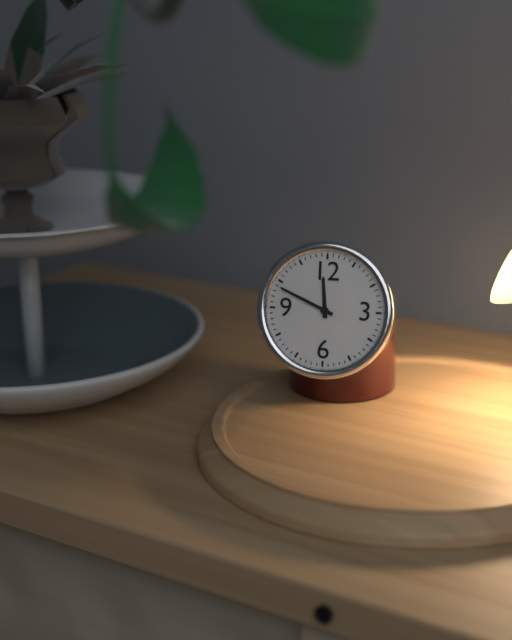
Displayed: 11h49
